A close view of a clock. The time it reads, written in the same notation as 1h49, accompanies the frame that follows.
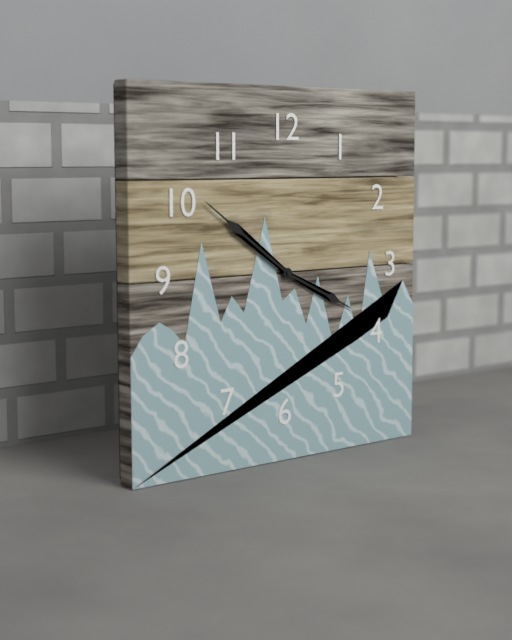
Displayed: 3h51
